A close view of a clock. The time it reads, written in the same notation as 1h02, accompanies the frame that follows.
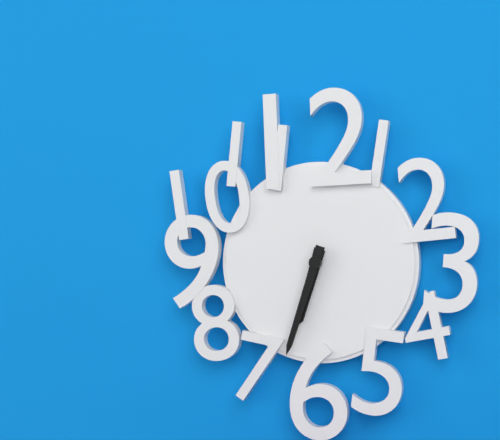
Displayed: 6h33
